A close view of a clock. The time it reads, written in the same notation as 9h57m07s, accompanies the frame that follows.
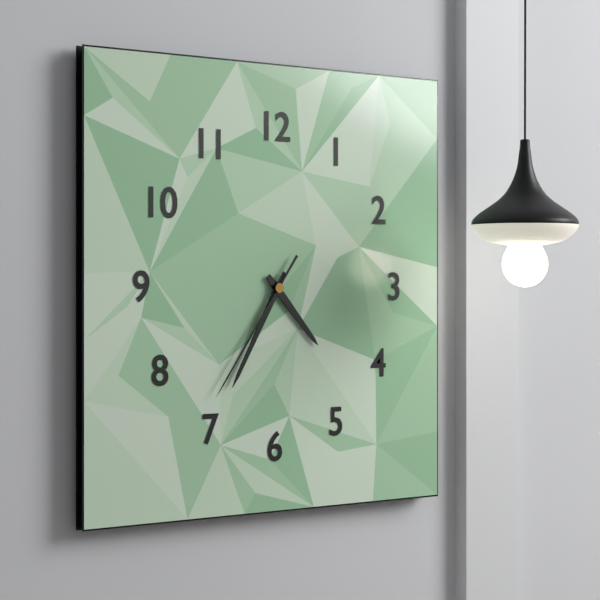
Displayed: 4h35m36s
